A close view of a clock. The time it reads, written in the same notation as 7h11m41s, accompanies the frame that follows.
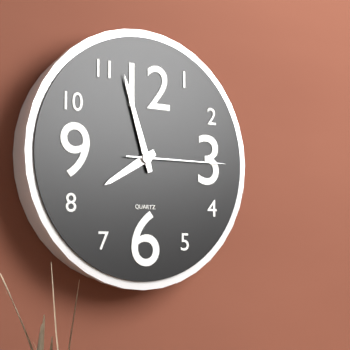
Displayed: 7h57m15s
